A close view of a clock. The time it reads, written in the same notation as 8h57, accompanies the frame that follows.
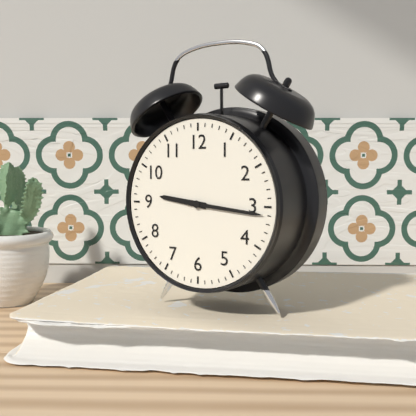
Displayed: 9h16
